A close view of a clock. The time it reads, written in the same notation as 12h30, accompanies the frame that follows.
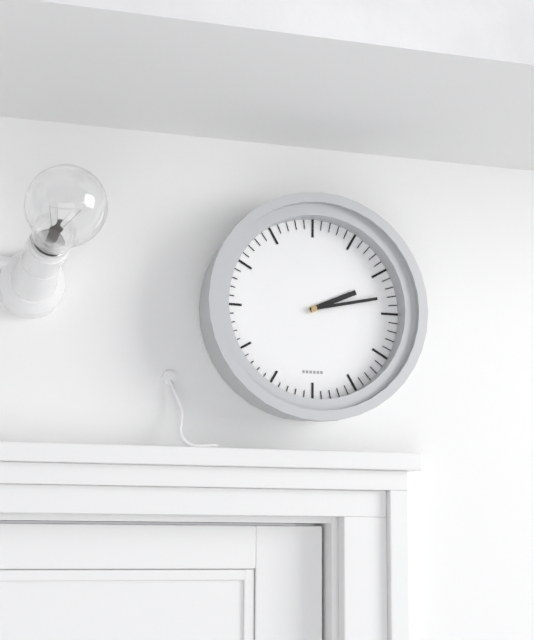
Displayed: 2h13
